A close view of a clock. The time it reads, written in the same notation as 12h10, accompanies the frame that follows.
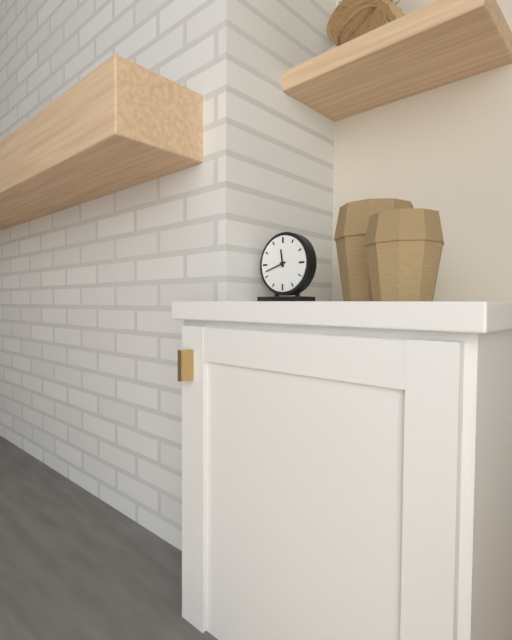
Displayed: 11h42
